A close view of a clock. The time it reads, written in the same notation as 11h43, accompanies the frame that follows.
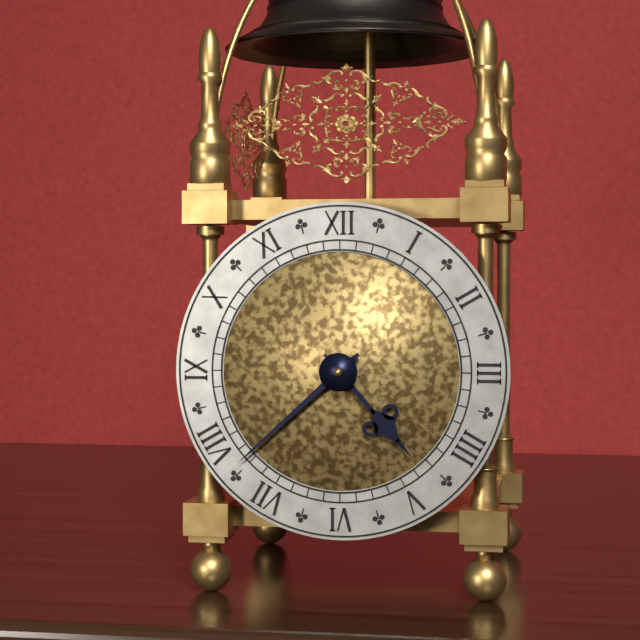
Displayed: 4h38
